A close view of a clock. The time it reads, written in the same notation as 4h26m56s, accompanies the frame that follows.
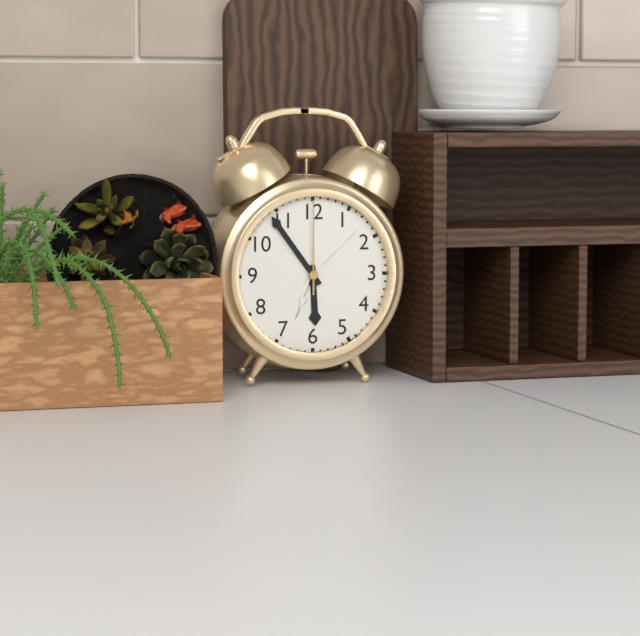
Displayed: 5h54m00s
